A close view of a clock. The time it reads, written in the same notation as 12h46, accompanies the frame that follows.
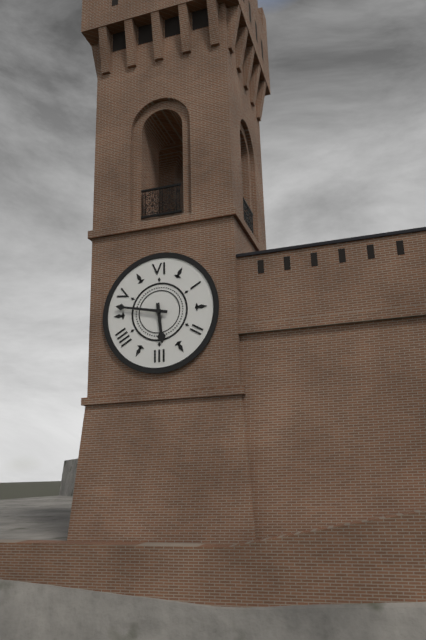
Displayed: 5h47
